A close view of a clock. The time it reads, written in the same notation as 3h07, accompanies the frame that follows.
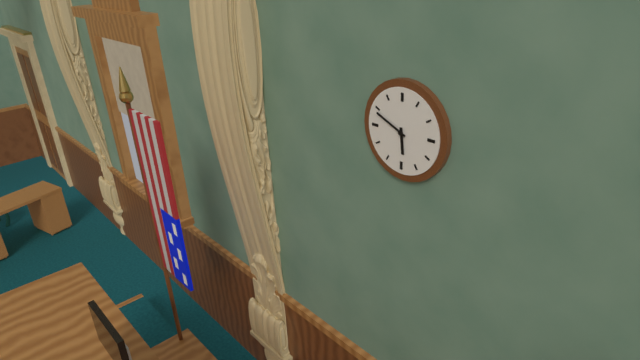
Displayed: 5h49
